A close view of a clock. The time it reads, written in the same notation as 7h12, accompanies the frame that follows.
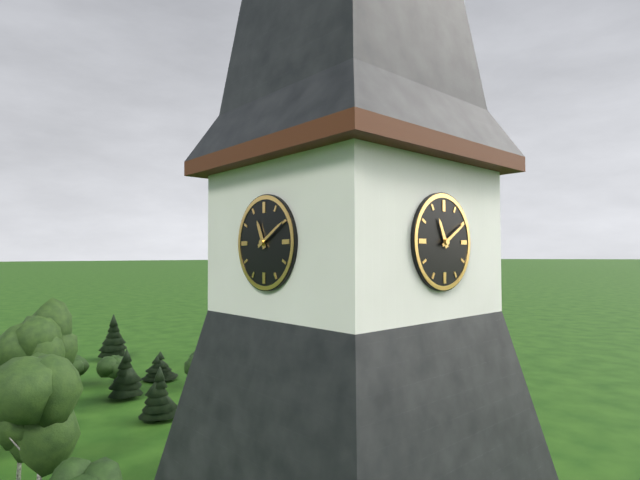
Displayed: 11h10
